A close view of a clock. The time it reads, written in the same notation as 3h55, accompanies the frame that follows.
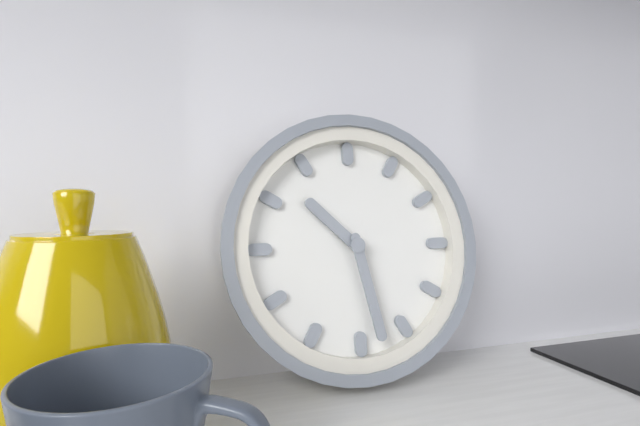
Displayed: 10h28
